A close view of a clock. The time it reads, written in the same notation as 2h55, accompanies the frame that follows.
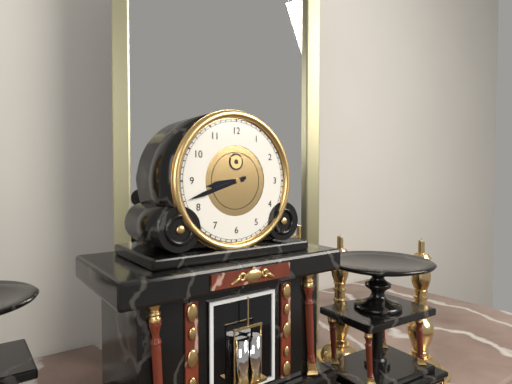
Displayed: 8h42
